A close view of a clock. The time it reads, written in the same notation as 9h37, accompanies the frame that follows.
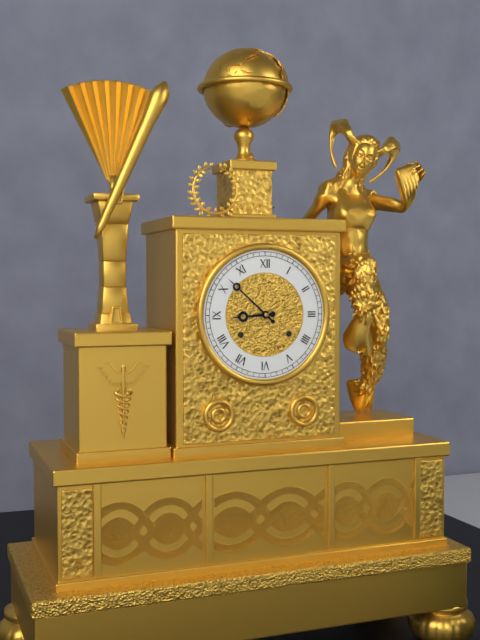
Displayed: 8h52
